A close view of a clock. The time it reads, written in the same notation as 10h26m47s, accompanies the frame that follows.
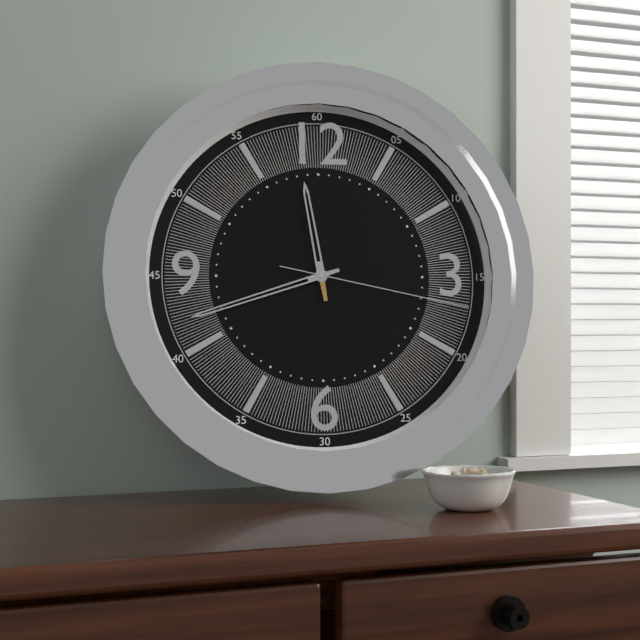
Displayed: 11h42m17s
